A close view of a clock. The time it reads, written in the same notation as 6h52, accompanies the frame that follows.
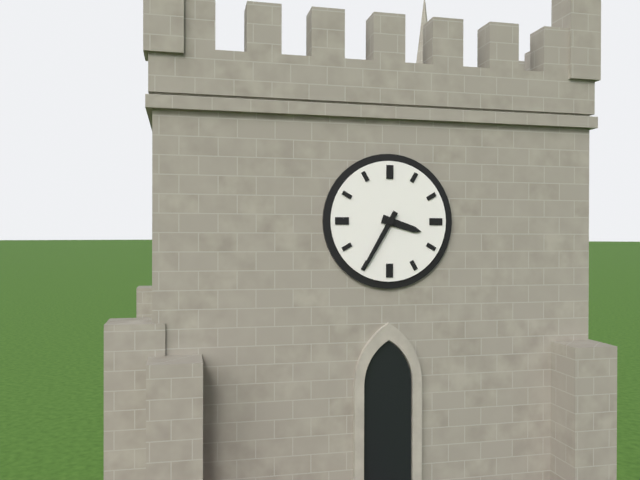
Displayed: 3h35
